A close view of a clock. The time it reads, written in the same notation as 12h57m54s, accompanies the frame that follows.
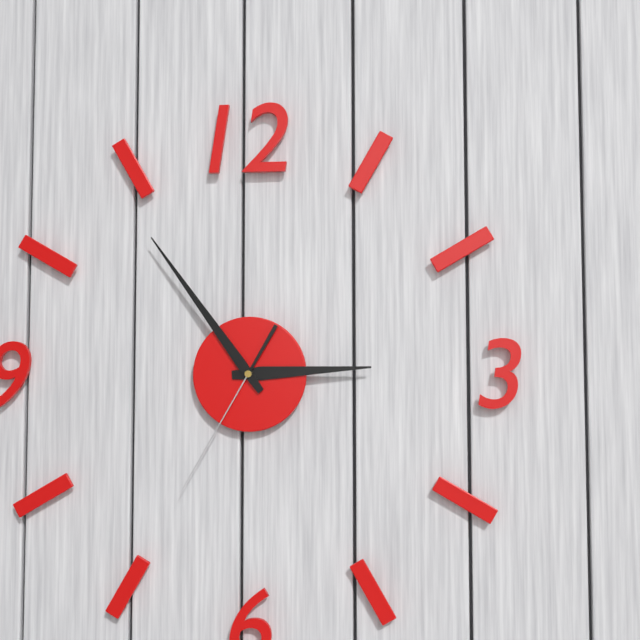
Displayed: 2h54m35s
